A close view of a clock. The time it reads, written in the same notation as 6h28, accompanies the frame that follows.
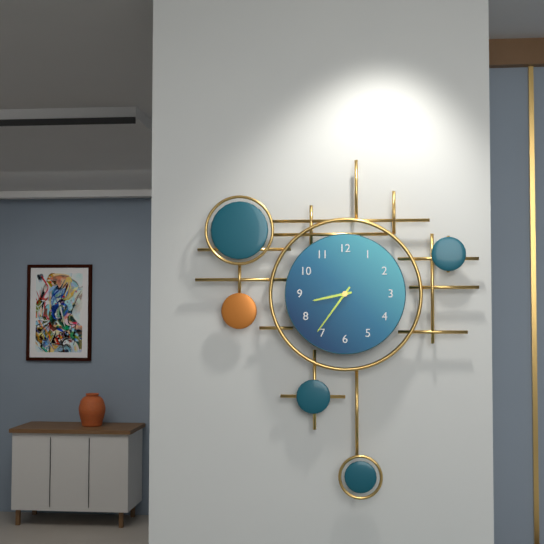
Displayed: 8h36
